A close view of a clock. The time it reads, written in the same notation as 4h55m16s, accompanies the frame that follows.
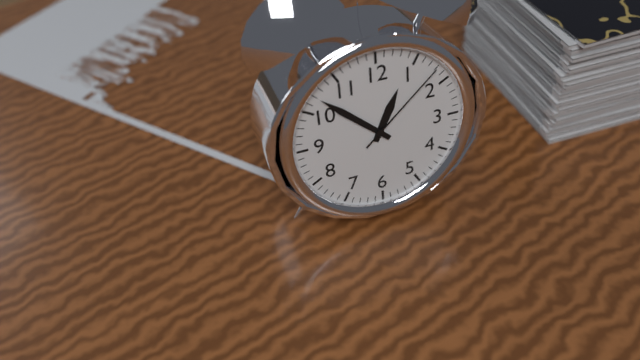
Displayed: 12h52m08s
